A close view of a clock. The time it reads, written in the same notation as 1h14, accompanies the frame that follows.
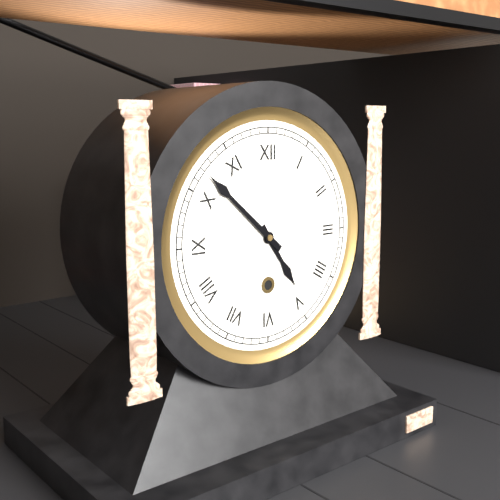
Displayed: 4h52
